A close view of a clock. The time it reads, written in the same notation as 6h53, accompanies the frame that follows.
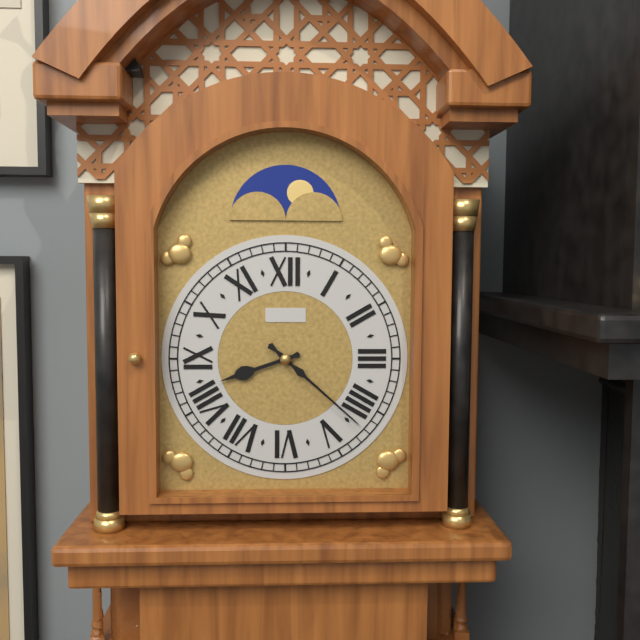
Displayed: 8h22
